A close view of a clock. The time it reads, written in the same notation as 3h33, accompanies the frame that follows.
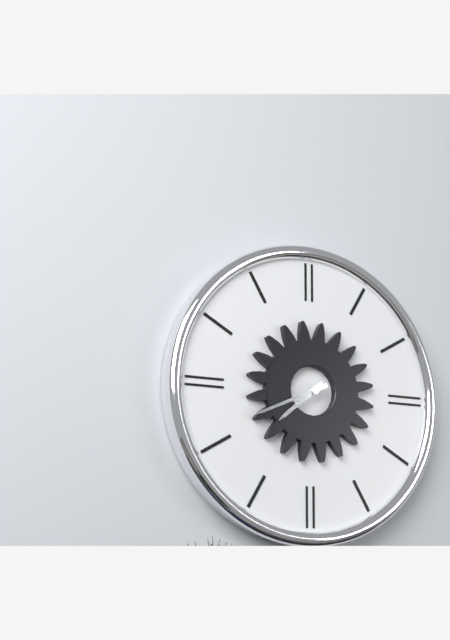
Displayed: 7h41
